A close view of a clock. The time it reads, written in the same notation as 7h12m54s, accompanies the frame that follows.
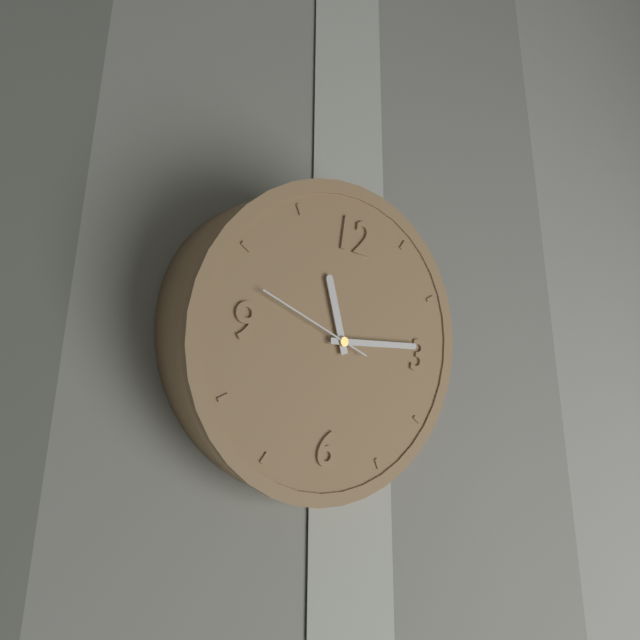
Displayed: 11h14m48s
